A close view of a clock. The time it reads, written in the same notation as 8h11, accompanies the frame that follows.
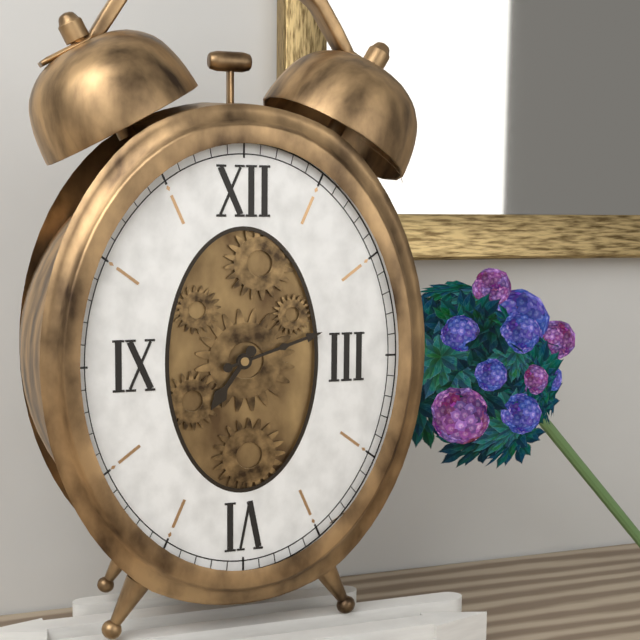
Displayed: 7h12
